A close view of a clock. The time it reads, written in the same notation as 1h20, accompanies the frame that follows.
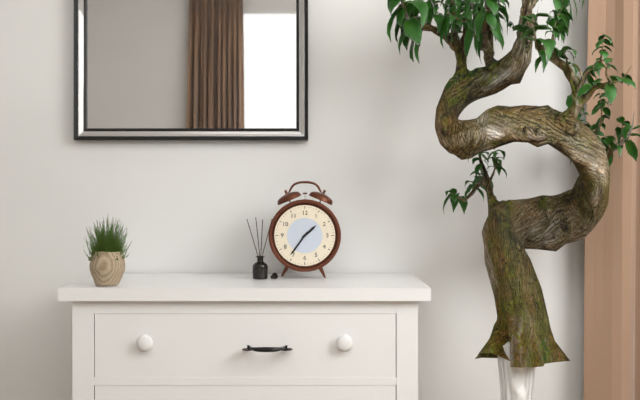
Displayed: 1h36
